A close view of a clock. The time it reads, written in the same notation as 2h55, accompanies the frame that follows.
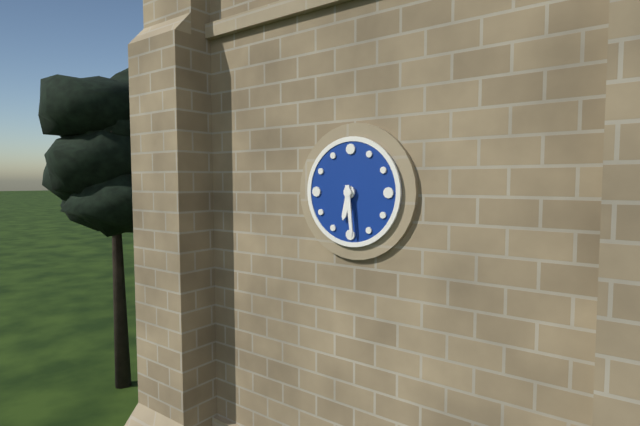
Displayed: 6h29
